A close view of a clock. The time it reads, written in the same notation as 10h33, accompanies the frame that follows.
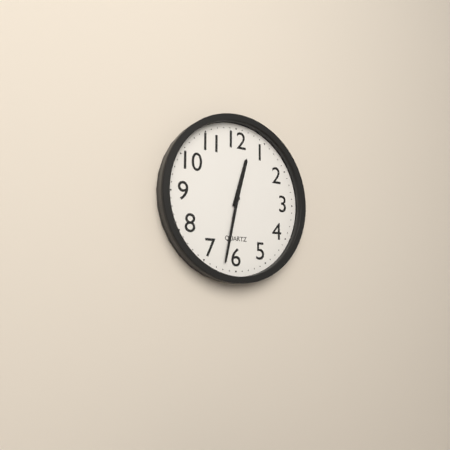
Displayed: 12h32
